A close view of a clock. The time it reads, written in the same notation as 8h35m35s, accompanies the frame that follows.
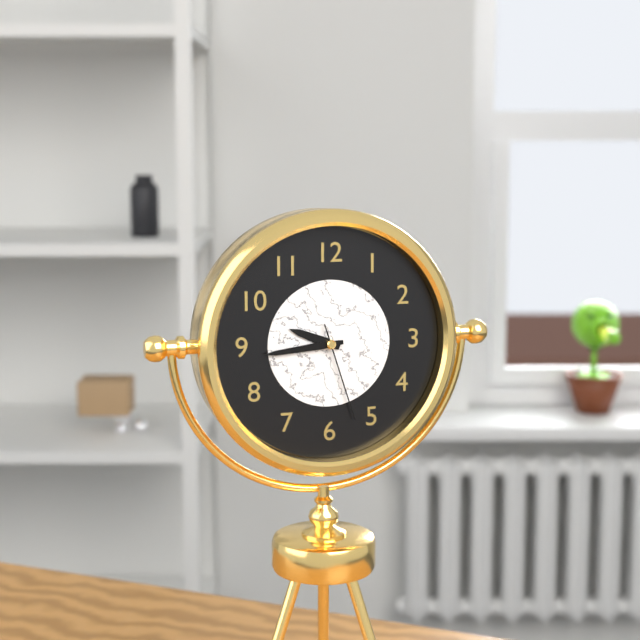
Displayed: 9h44m27s
